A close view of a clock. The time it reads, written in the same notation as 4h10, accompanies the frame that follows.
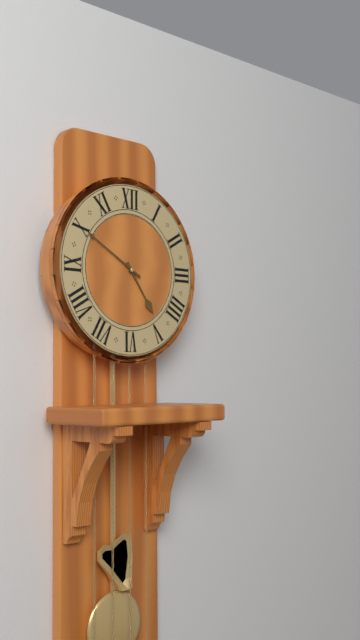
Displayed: 4h50
